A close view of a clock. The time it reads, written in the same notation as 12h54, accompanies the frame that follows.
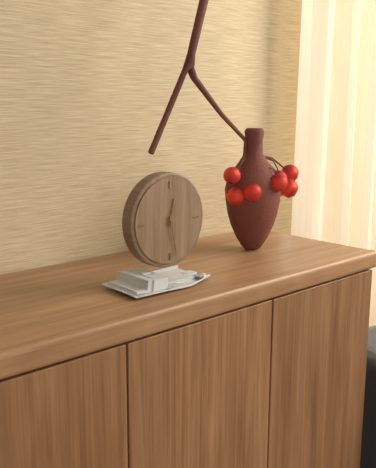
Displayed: 12h28
